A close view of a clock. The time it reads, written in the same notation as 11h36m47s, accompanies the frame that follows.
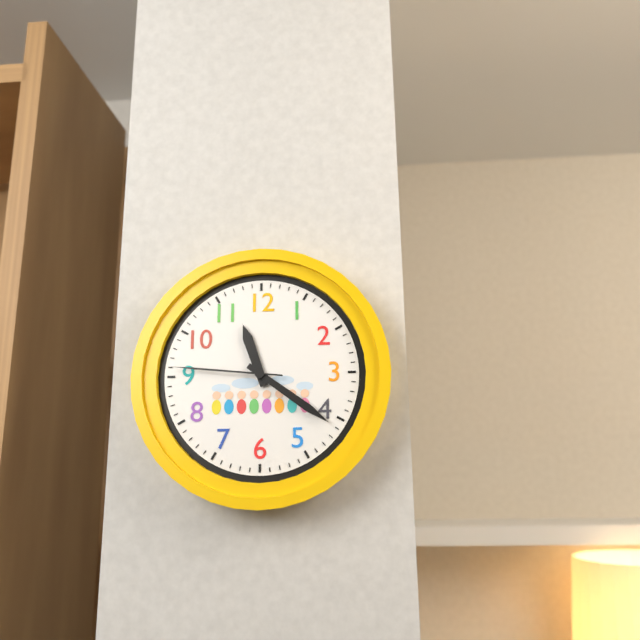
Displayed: 11h21m46s
